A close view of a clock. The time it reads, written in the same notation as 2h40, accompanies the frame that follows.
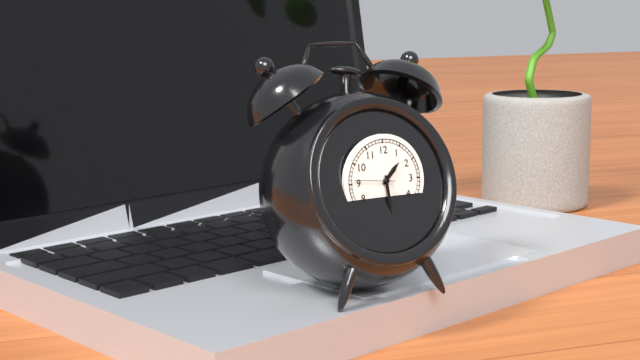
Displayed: 1h29
